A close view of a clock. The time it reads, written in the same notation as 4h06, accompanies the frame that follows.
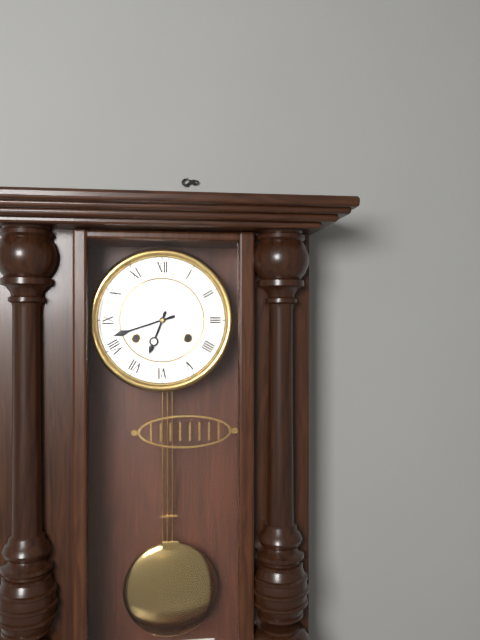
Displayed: 6h42
